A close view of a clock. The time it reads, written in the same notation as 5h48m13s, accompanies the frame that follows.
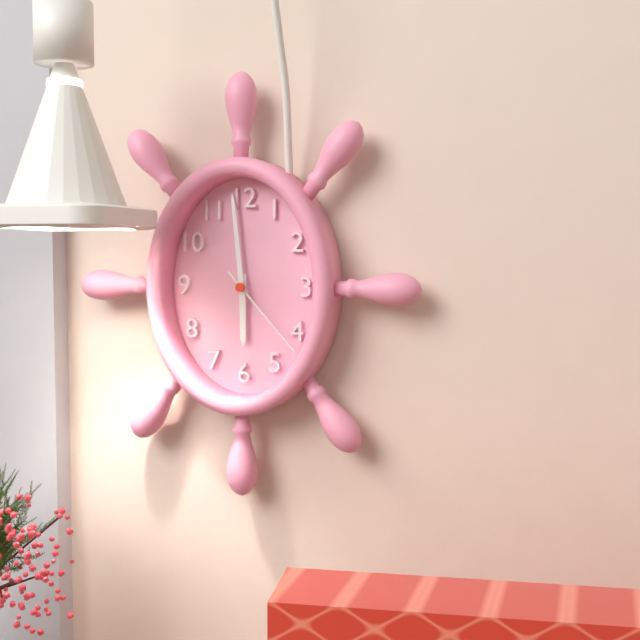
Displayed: 5h59m23s
